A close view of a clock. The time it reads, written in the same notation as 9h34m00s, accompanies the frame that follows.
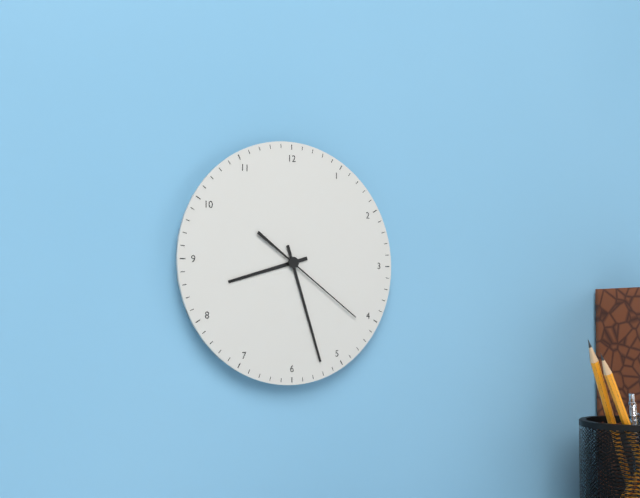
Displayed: 8h27m21s
